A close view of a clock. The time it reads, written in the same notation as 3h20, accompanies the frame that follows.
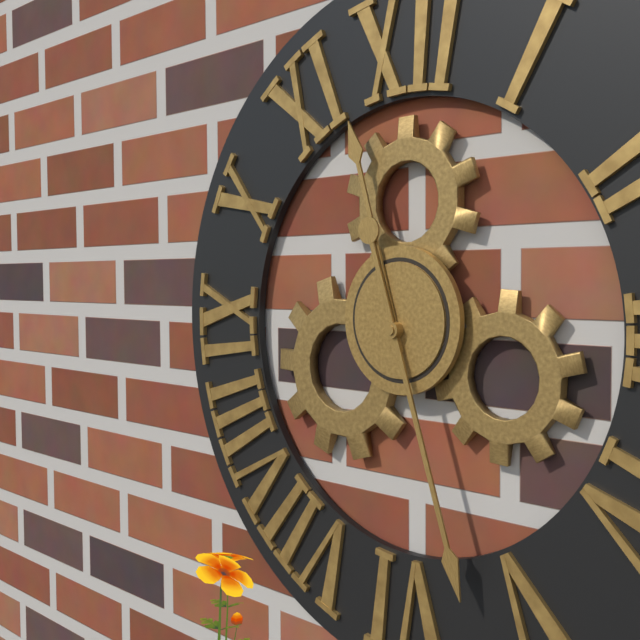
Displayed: 11h27
